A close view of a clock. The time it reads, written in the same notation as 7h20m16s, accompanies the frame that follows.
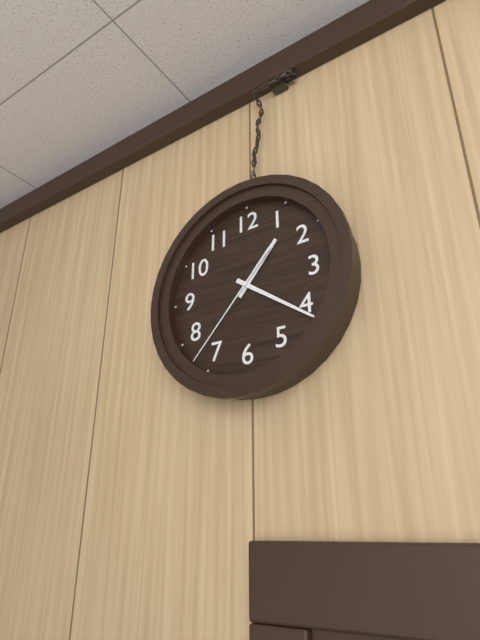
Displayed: 1h21m37s
